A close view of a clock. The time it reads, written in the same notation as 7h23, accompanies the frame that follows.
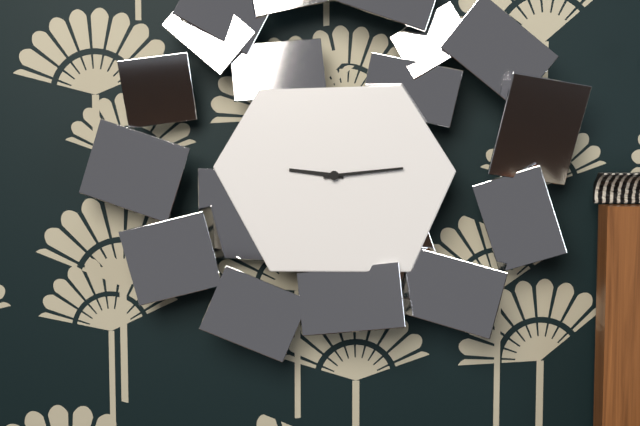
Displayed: 9h14
